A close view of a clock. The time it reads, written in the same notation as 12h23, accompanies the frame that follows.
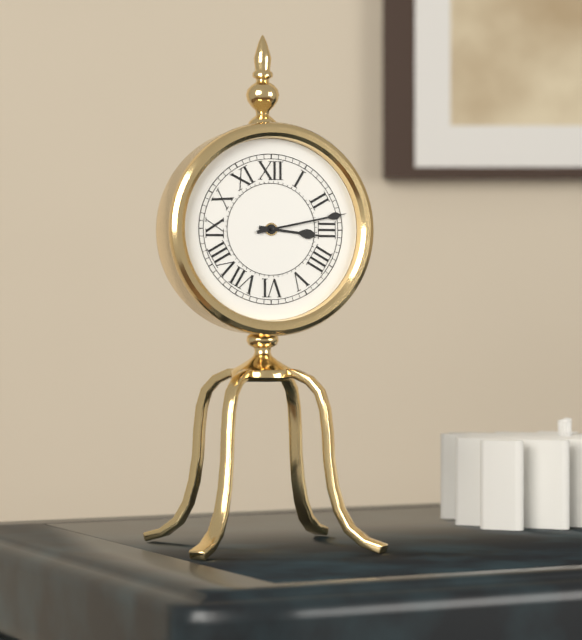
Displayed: 3h13
